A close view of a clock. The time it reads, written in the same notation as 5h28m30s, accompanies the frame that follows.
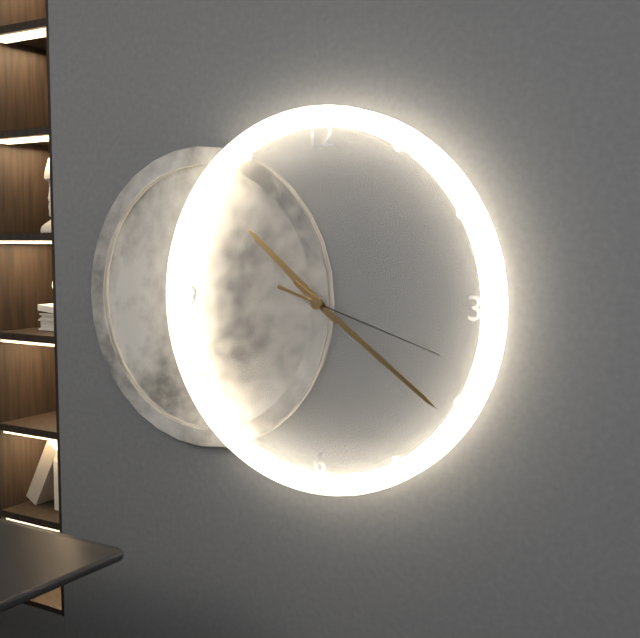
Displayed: 10h21m18s
